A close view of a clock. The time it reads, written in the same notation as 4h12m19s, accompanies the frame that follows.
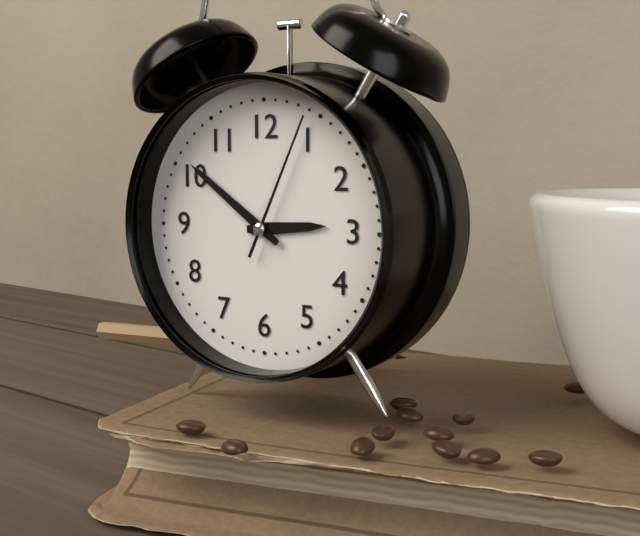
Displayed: 2h51m04s
